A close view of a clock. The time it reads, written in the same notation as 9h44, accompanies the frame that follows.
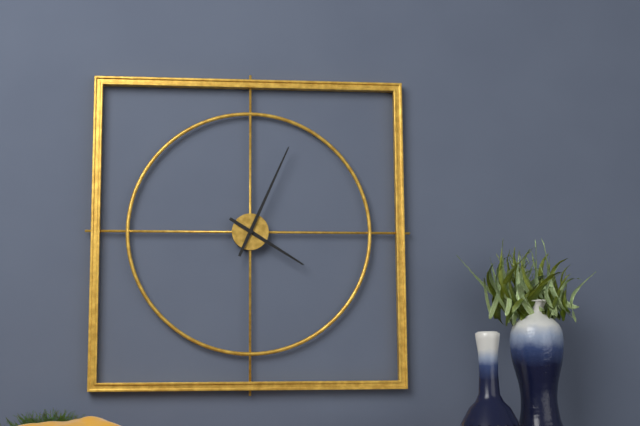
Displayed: 4h04
